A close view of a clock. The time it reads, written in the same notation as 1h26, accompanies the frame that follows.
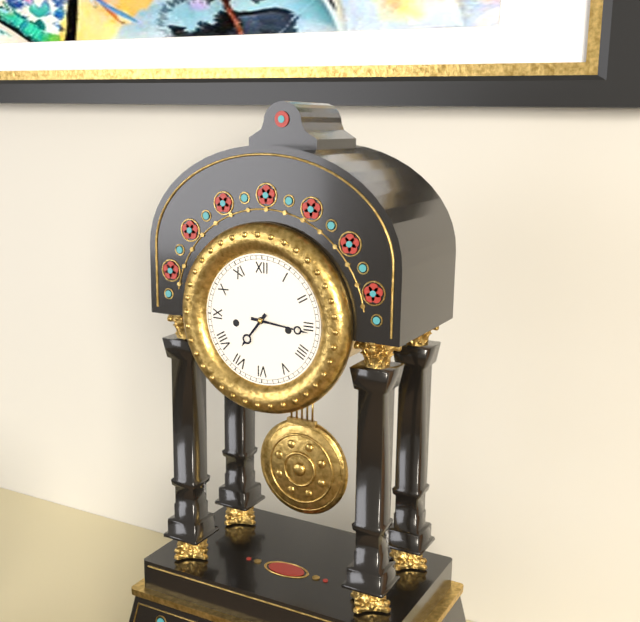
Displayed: 7h16
